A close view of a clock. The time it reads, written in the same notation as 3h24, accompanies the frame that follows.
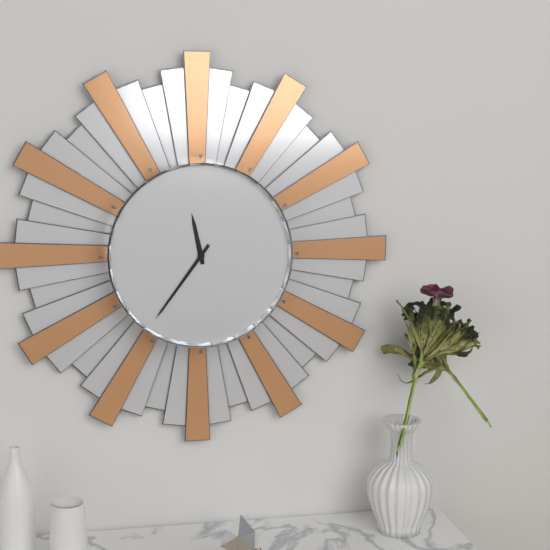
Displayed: 11h36
